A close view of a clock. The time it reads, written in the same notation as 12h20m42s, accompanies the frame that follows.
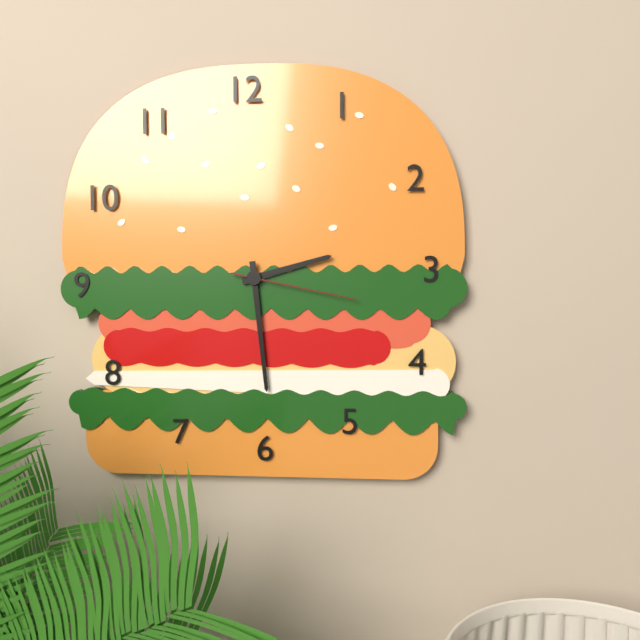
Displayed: 2h29m17s
